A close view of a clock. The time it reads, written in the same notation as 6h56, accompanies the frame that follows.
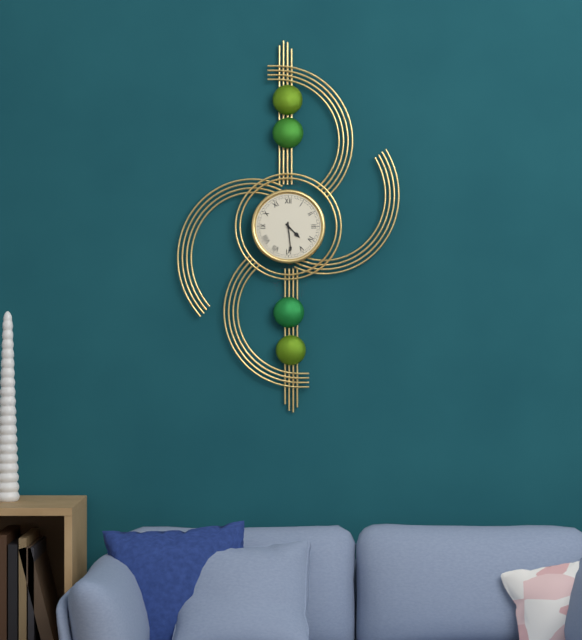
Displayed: 4h29
